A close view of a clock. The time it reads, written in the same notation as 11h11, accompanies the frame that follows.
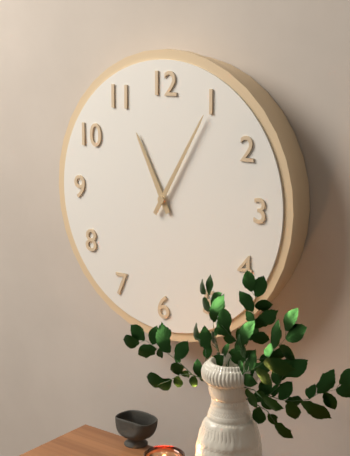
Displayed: 11h05
